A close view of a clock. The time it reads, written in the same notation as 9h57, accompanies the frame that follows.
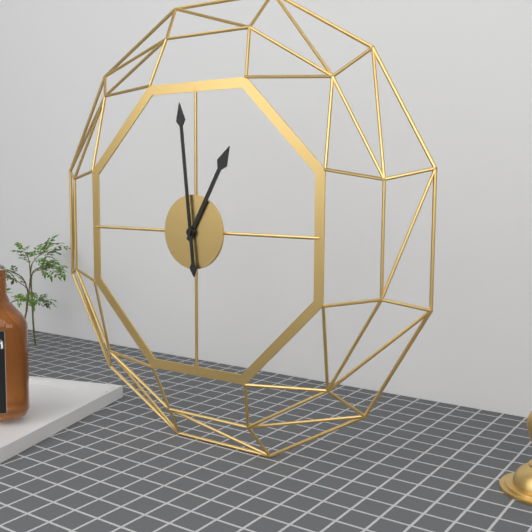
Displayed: 12h59
